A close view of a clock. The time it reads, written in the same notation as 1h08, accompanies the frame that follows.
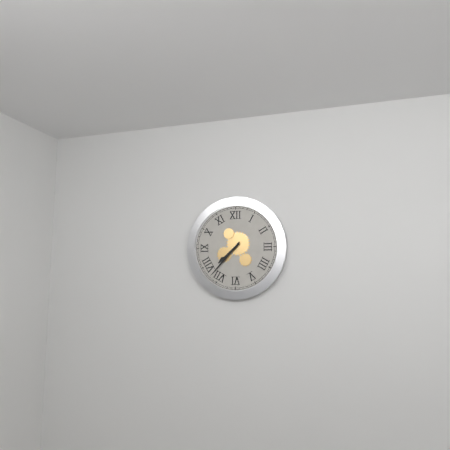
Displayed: 7h37
